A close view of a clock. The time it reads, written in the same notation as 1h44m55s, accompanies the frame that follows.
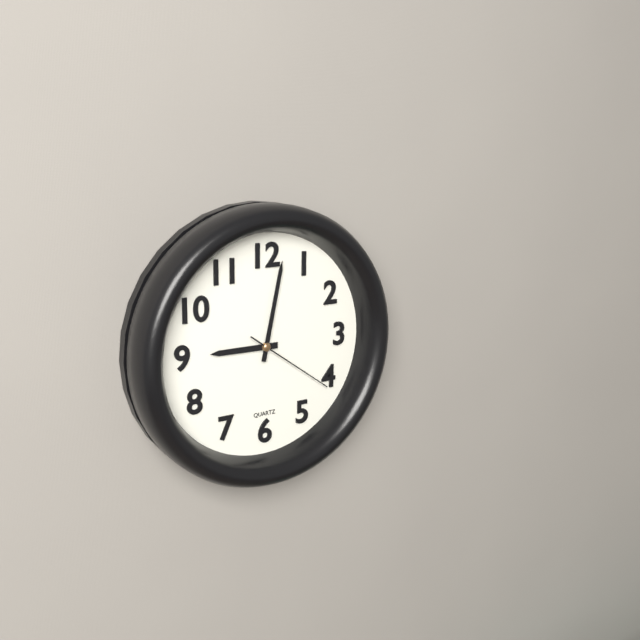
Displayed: 9h02m21s
